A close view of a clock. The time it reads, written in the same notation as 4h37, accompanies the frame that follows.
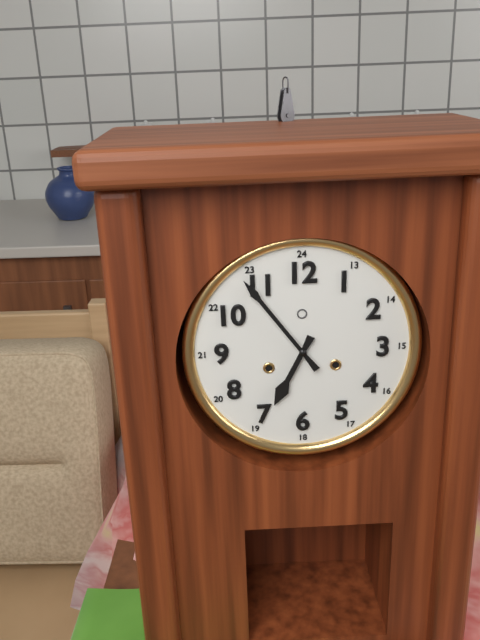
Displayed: 6h54
